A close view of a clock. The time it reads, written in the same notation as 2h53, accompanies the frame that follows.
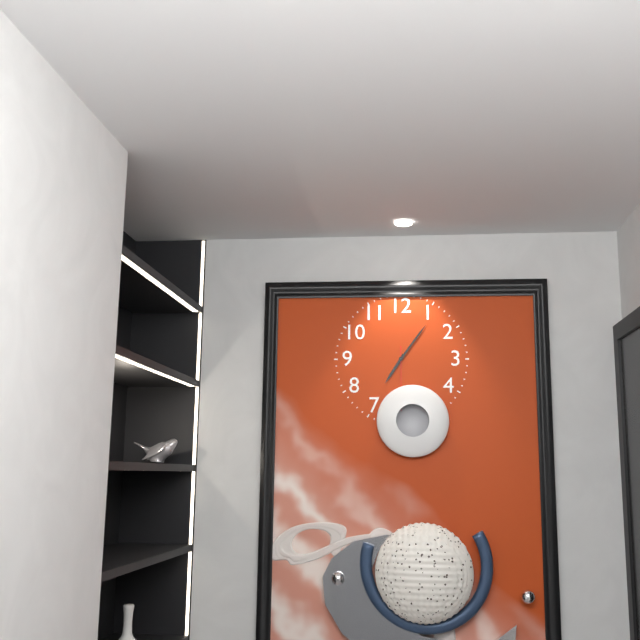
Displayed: 7h06
